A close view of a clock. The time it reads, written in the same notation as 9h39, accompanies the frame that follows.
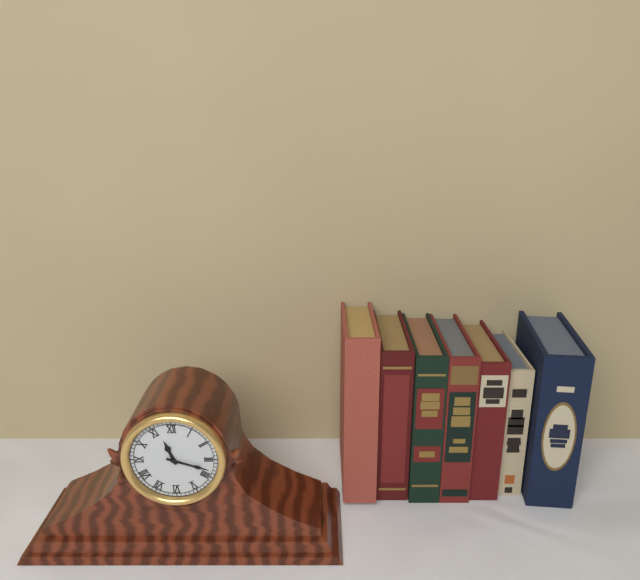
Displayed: 11h18
